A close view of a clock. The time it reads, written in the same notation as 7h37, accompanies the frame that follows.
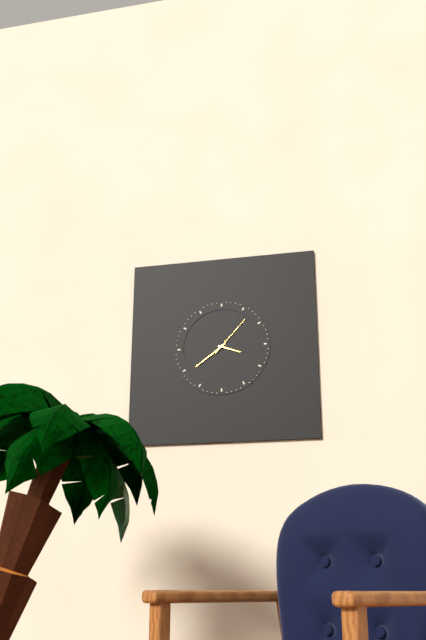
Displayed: 3h39
